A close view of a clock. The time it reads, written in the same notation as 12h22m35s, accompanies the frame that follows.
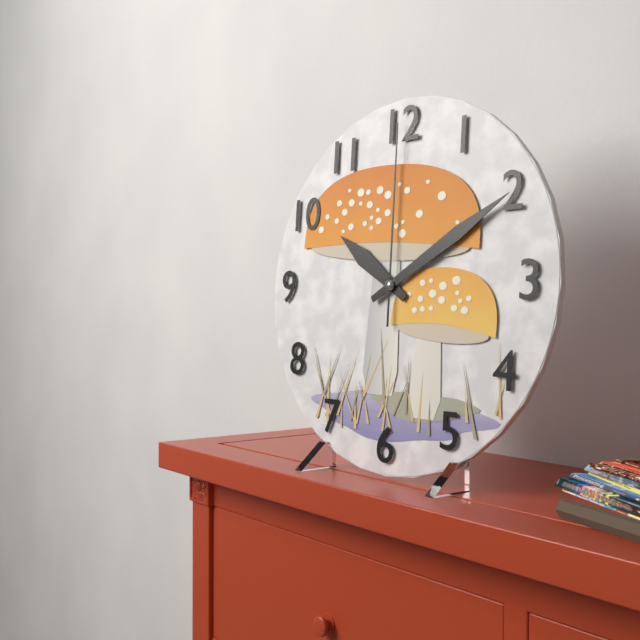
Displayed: 10h10m00s
